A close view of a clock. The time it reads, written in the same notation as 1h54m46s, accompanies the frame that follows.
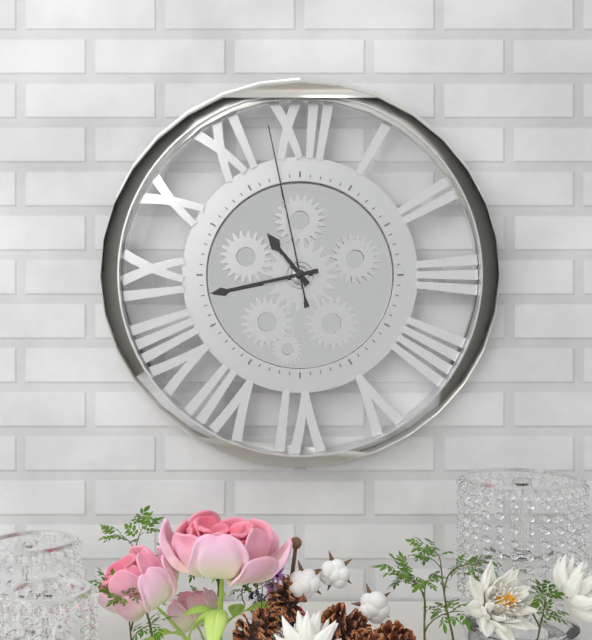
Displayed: 10h43m58s
